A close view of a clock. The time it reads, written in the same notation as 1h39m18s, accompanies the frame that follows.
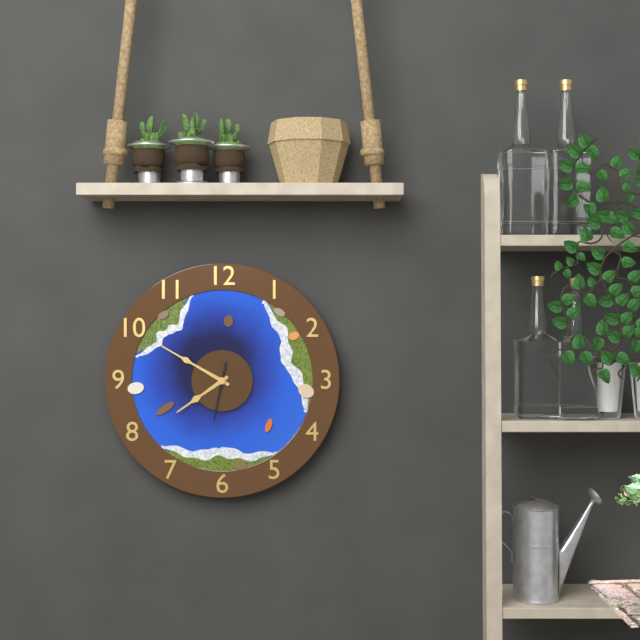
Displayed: 7h50m32s
